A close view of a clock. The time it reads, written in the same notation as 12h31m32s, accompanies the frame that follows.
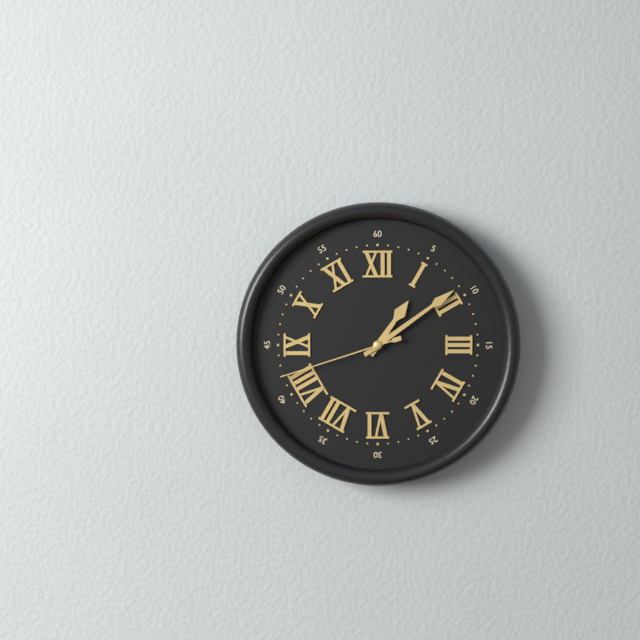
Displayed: 1h09m42s
